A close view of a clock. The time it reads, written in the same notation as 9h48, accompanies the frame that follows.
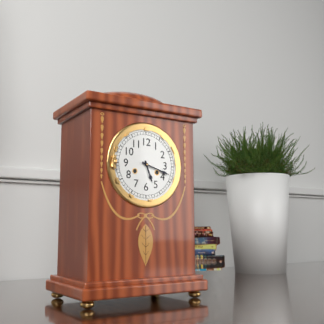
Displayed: 5h18
